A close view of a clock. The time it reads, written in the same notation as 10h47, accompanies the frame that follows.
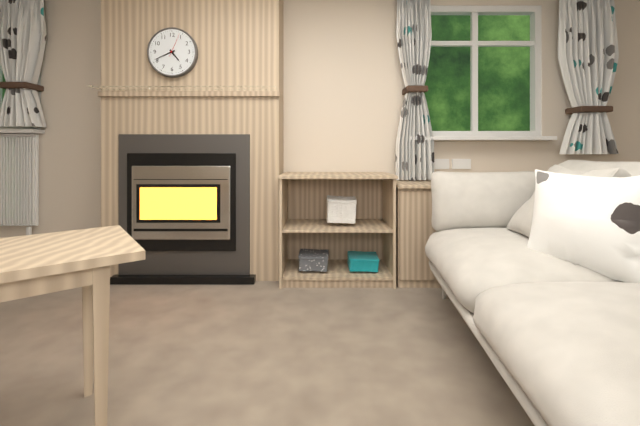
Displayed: 4h41
